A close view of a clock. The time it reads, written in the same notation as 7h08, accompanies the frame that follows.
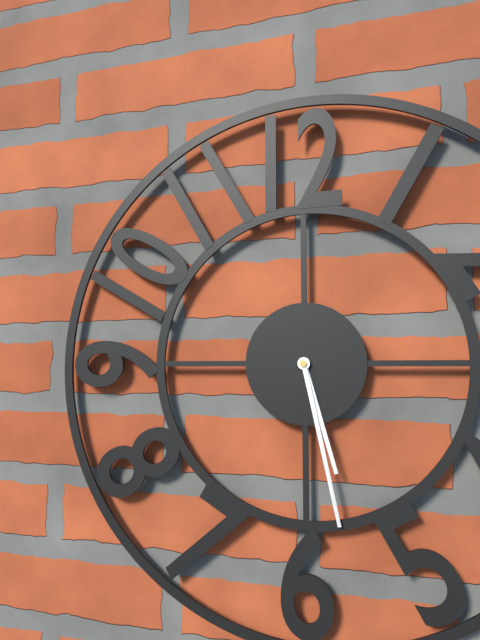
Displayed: 5h28
